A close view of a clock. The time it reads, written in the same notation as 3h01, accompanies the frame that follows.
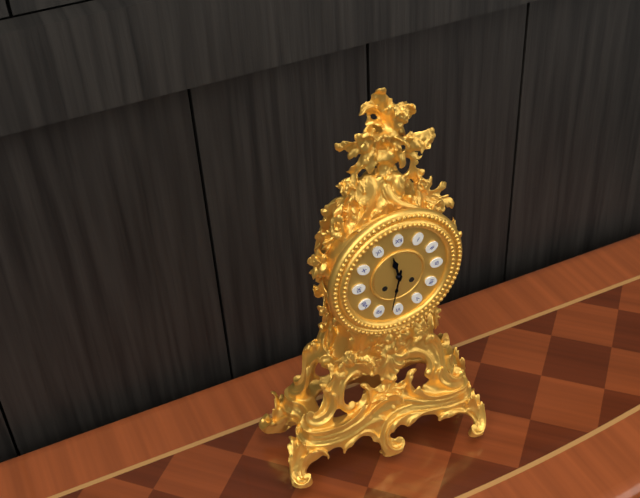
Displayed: 11h32
